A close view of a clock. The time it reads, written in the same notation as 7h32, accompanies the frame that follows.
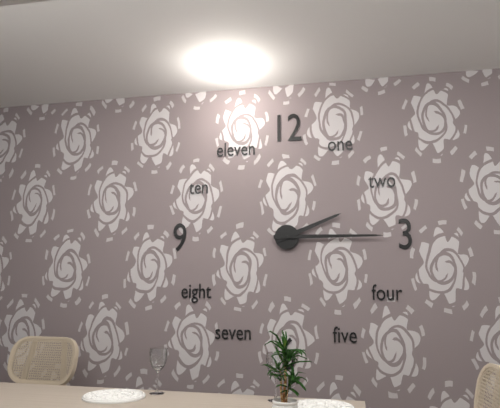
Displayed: 2h15
